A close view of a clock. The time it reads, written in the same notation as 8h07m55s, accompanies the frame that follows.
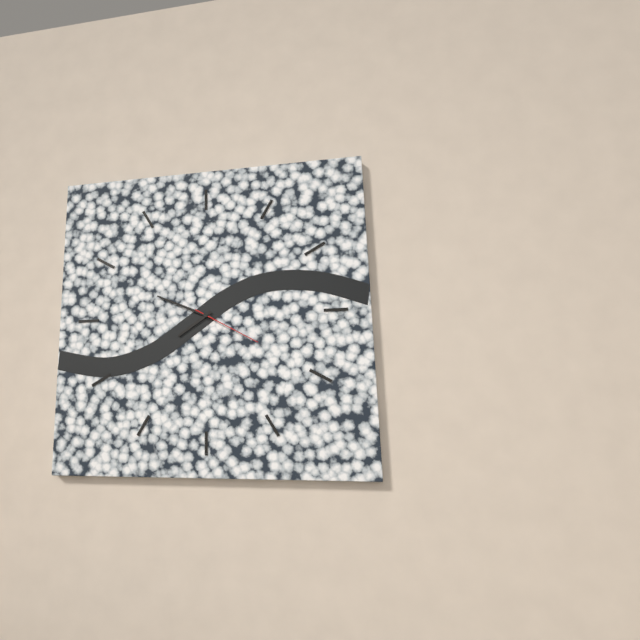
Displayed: 7h49m20s
